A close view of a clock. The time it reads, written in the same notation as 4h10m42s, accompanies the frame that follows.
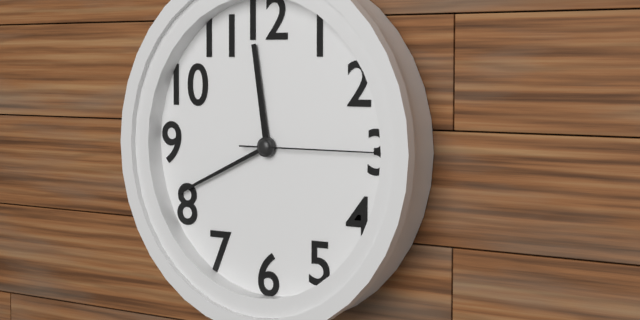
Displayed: 11h41m15s
